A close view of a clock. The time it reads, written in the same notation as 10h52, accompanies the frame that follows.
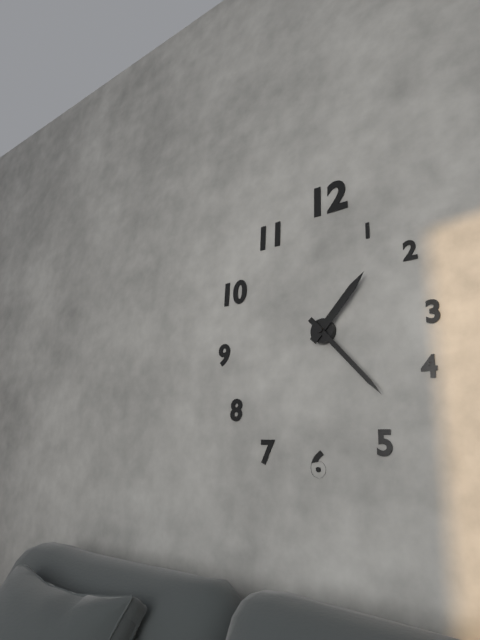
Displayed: 1h23
